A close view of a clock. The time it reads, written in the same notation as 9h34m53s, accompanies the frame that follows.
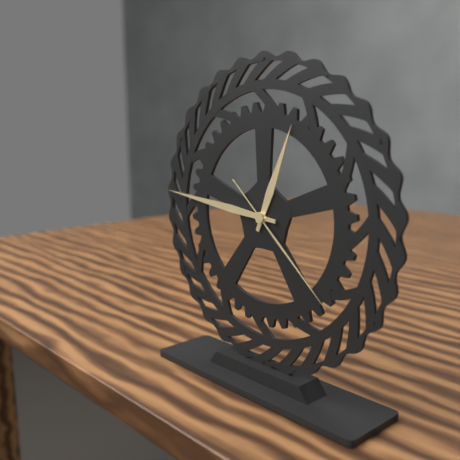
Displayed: 12h46m22s
